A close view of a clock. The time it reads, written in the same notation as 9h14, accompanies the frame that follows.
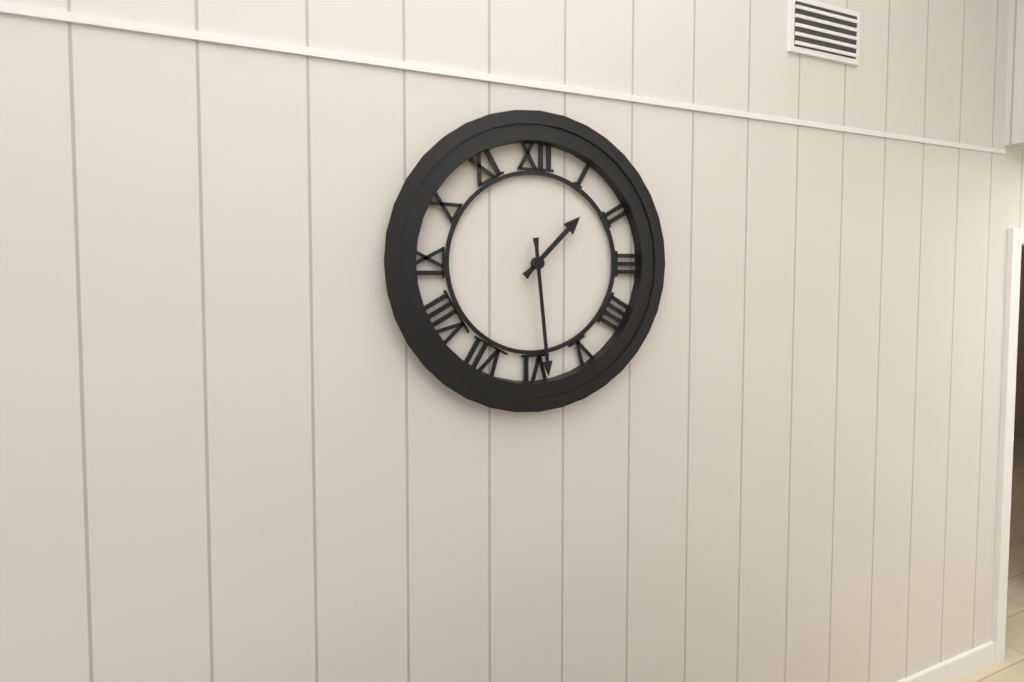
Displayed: 1h29
